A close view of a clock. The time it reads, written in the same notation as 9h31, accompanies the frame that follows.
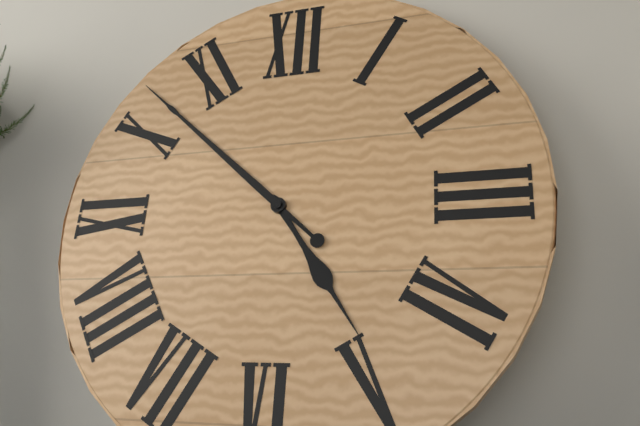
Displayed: 4h52
